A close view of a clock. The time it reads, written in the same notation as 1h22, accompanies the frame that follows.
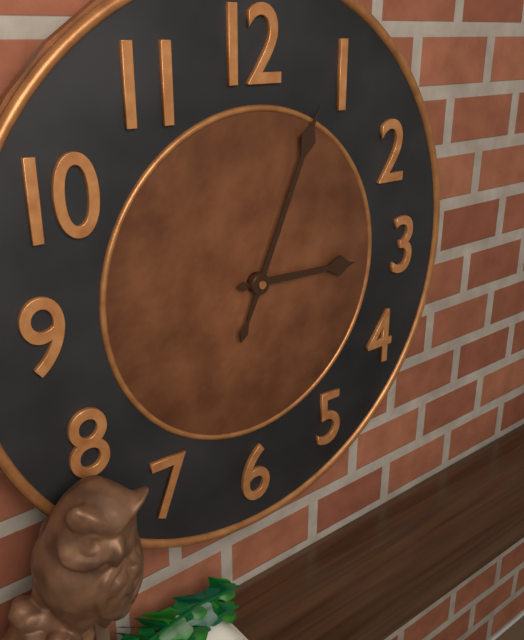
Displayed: 3h04
